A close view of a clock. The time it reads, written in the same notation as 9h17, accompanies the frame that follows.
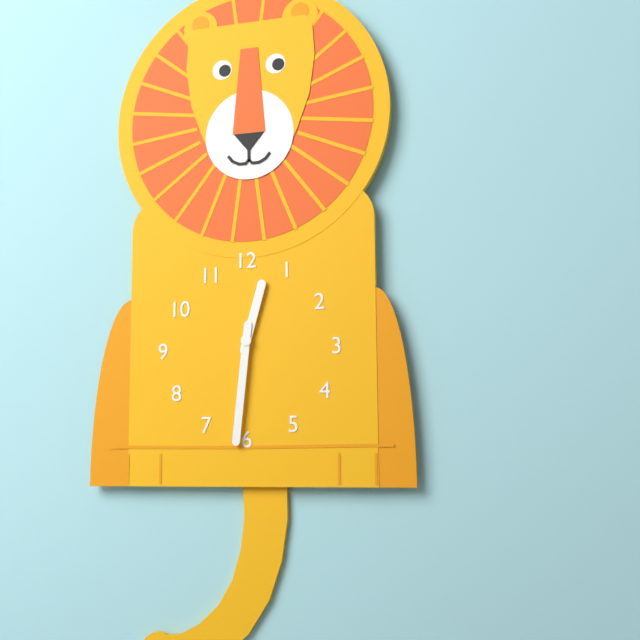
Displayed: 12h31
